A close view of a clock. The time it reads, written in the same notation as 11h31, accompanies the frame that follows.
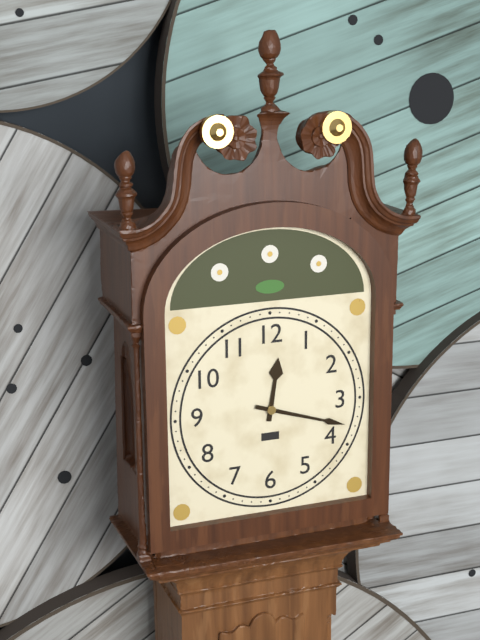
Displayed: 12h18
